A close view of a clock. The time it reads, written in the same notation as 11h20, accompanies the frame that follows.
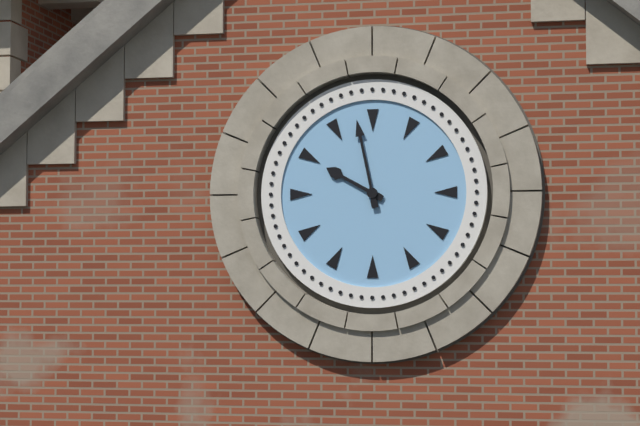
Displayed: 9h58
